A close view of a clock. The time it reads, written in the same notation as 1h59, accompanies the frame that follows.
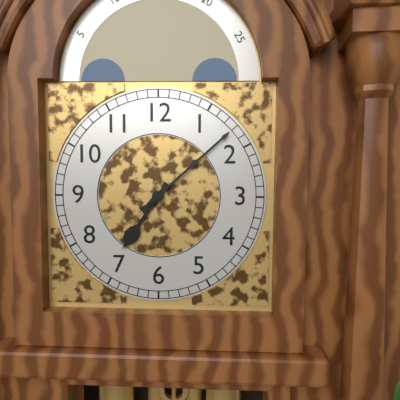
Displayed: 7h08
